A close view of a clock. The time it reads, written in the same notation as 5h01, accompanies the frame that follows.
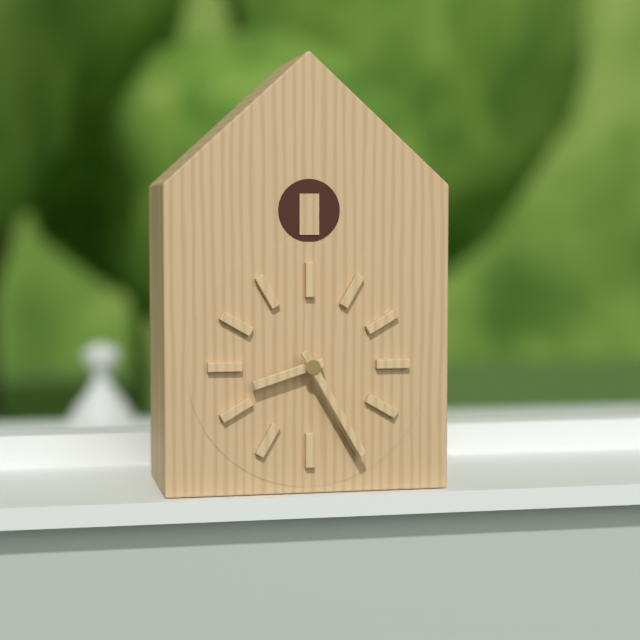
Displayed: 8h25
